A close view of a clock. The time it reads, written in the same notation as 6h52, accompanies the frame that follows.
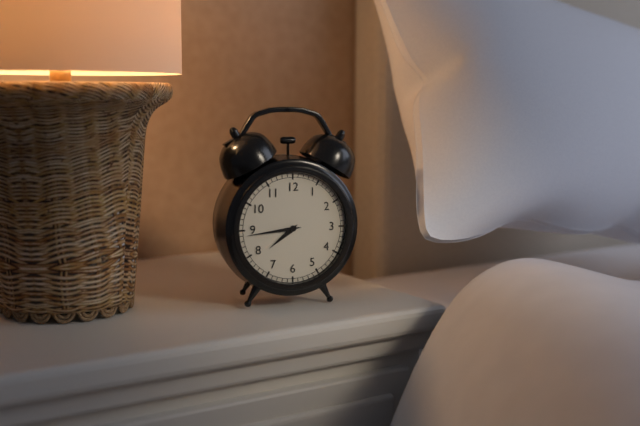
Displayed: 7h44
